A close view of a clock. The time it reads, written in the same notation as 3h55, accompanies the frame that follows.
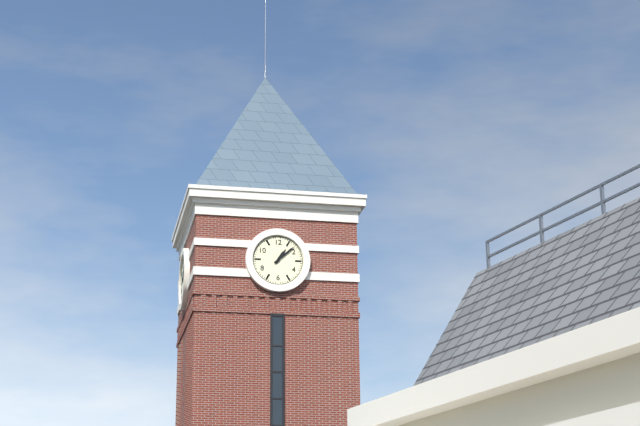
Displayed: 1h08
